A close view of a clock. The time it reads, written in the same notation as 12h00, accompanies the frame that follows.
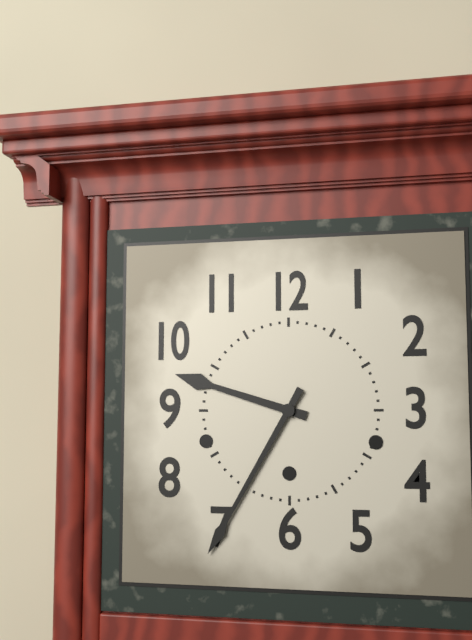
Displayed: 9h35
